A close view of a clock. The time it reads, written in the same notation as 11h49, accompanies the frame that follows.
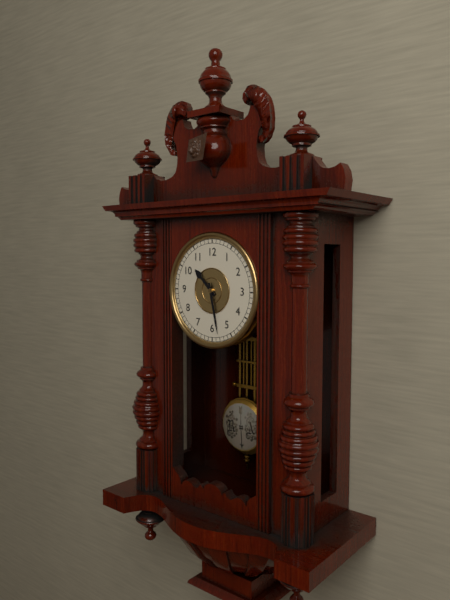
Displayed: 10h28
